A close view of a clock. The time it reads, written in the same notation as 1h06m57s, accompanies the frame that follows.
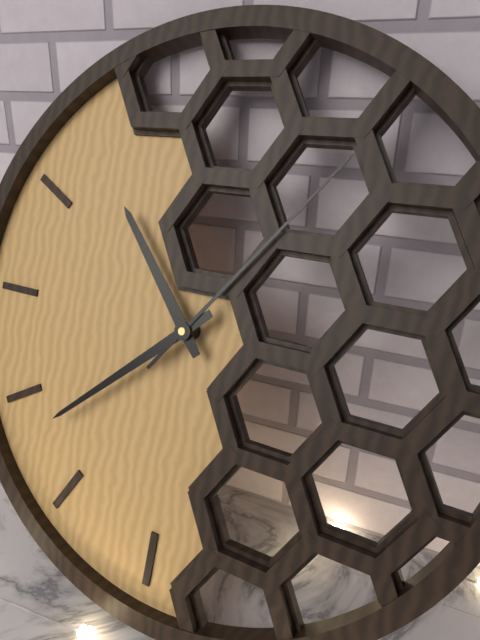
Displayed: 10h38m06s
